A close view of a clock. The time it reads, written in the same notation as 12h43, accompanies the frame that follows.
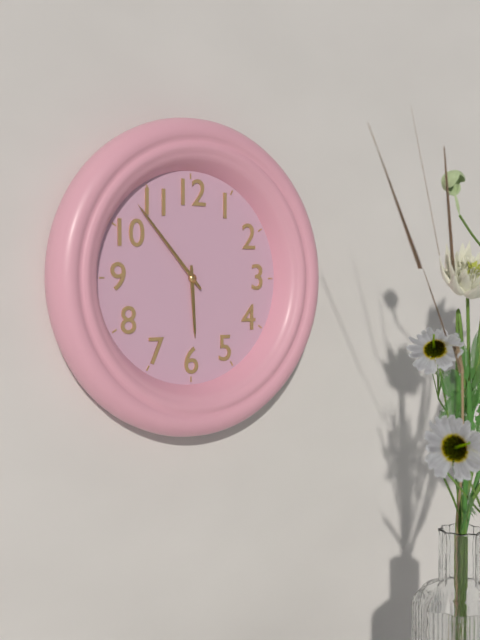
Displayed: 5h53
